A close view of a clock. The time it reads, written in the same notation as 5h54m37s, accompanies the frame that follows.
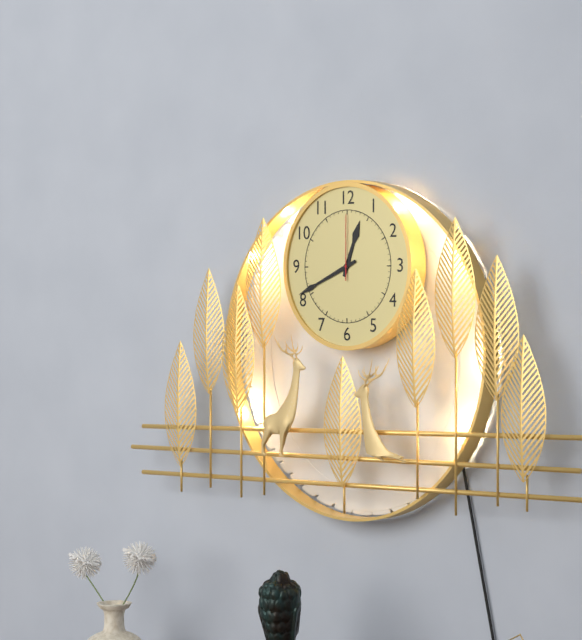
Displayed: 12h41m00s
